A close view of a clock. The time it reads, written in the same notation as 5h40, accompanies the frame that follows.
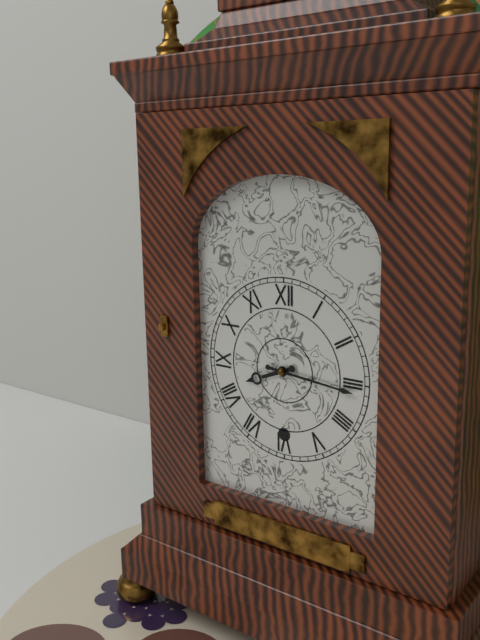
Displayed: 8h16
